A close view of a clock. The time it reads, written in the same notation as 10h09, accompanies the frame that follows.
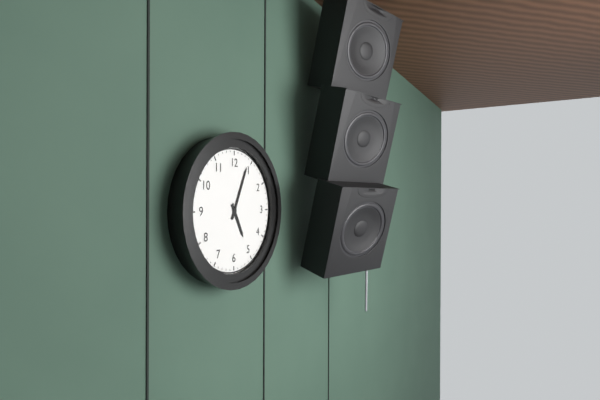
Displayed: 5h04
